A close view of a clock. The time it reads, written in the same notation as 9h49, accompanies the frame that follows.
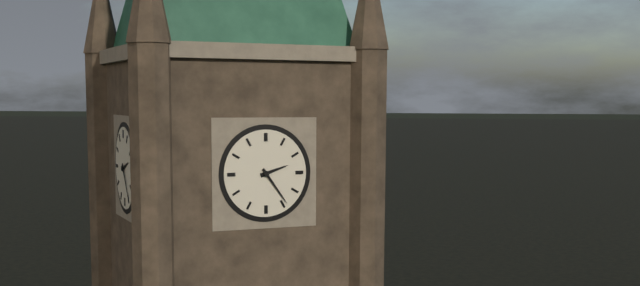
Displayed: 2h24
